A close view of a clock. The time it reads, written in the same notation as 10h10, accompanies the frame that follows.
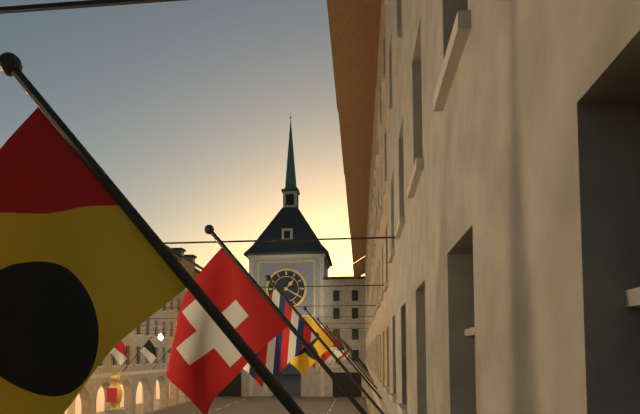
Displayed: 1h20
